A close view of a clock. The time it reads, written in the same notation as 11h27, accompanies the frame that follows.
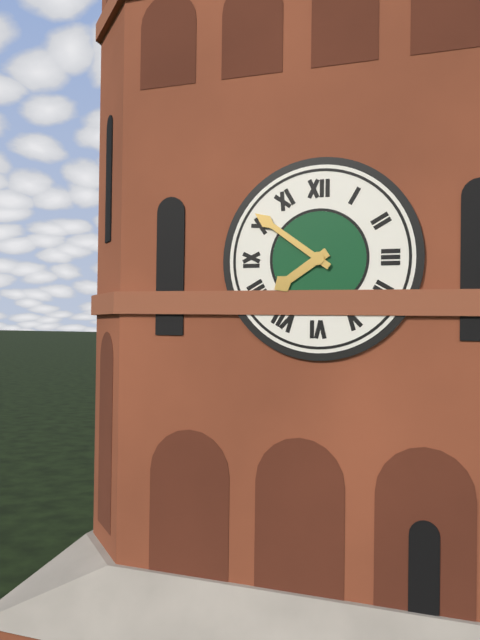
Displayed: 7h51
